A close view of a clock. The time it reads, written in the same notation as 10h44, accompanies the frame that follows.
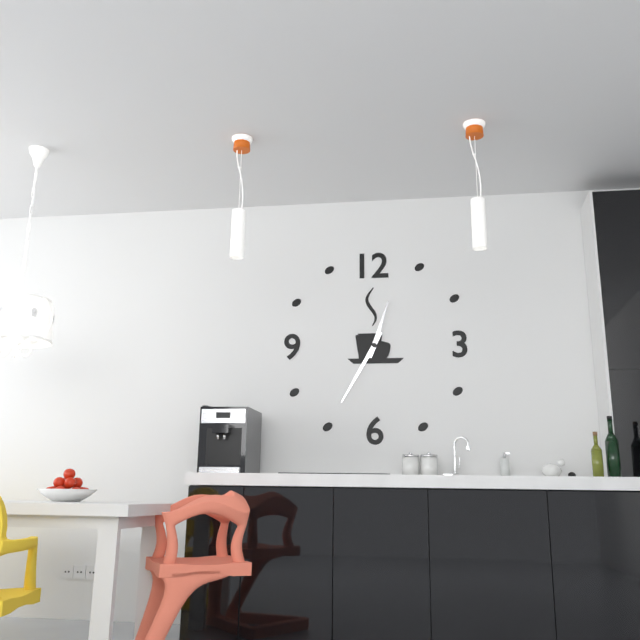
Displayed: 12h35
